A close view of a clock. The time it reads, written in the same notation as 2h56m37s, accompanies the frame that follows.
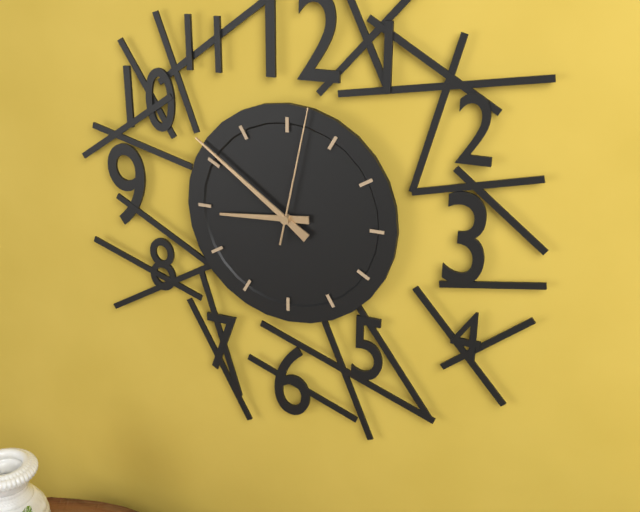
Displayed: 8h51m02s
